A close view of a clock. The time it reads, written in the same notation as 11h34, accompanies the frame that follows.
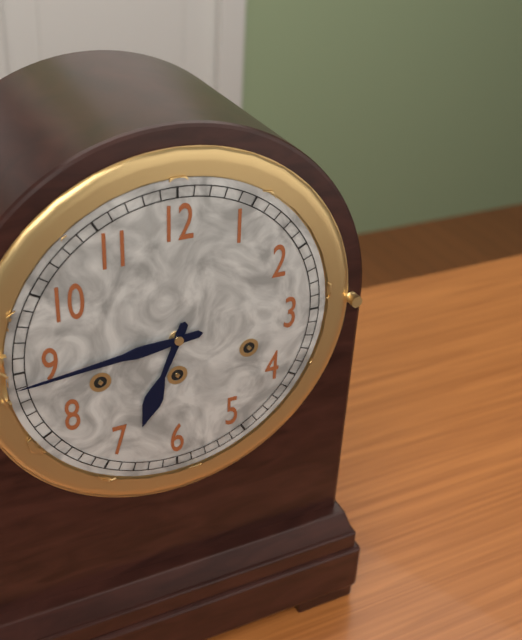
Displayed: 6h44
